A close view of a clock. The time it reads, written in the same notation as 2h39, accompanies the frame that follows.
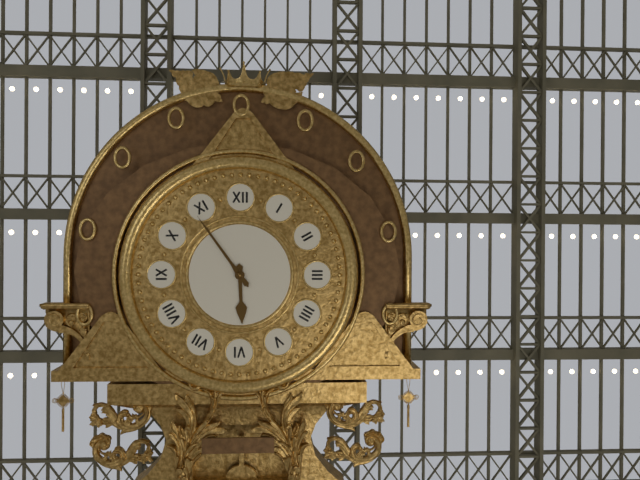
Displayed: 5h54
